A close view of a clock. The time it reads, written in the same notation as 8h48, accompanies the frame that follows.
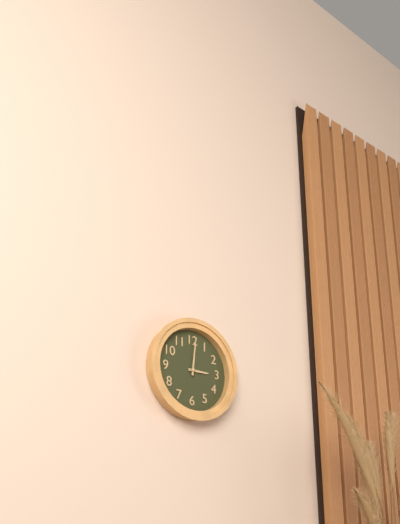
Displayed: 3h01
